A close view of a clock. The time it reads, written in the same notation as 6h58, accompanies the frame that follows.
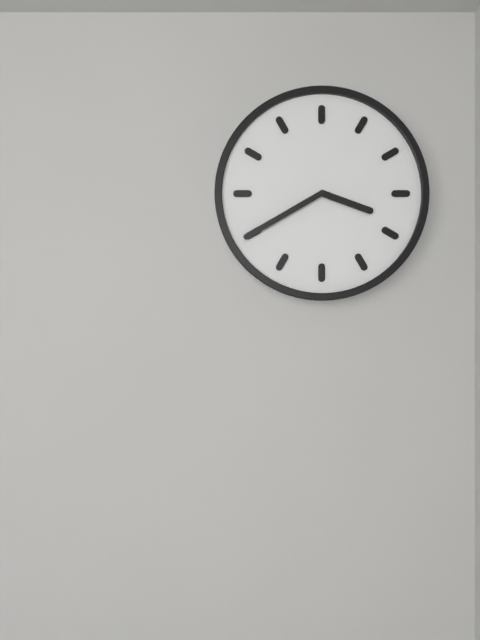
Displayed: 3h40
